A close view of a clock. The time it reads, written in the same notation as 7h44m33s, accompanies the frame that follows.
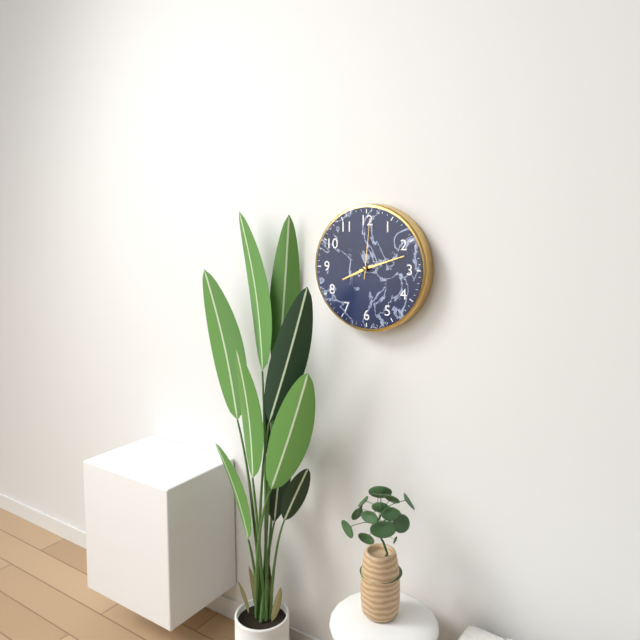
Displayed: 8h12m01s
